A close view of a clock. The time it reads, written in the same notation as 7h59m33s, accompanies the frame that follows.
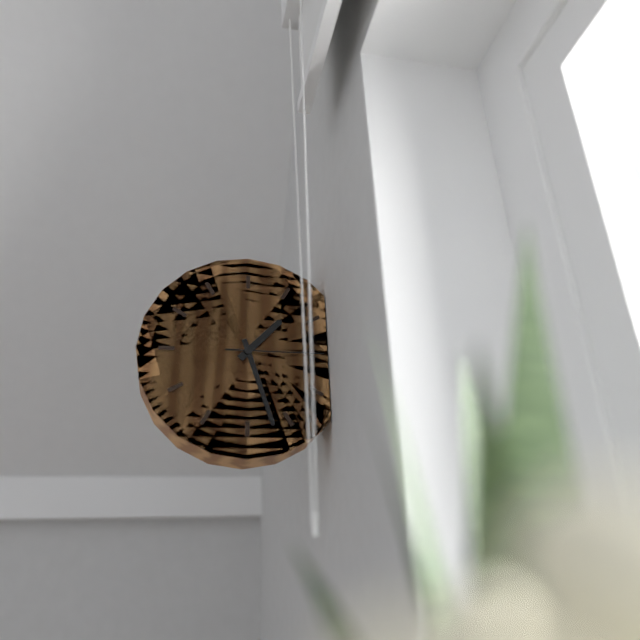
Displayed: 1h27m15s
